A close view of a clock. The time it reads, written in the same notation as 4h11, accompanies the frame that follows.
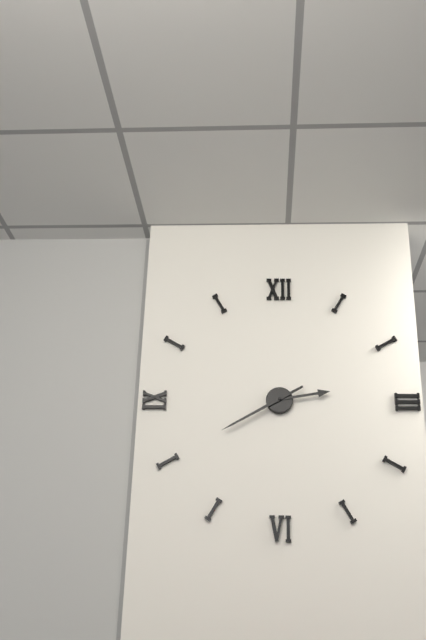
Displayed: 2h40
